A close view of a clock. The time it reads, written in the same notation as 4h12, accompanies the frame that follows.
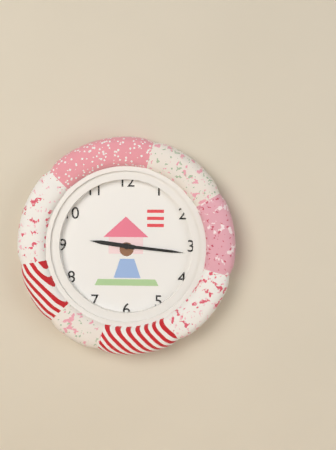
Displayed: 9h16
